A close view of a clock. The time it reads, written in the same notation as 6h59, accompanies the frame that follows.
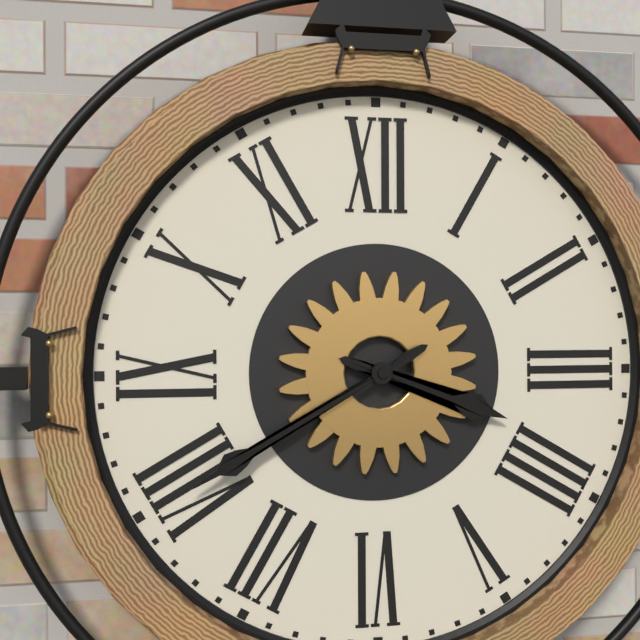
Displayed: 3h40
